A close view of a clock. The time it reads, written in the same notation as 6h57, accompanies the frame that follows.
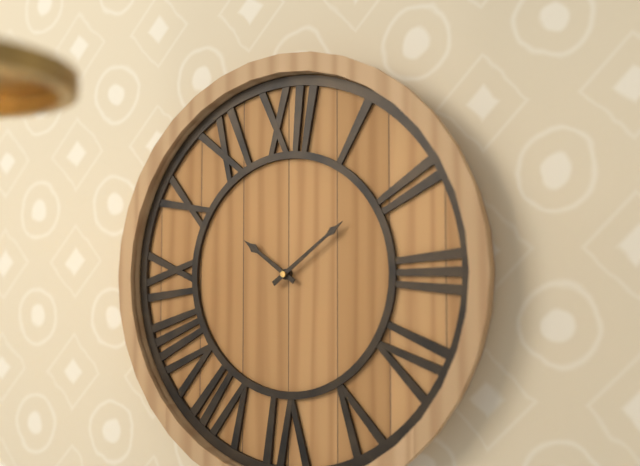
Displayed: 10h09
